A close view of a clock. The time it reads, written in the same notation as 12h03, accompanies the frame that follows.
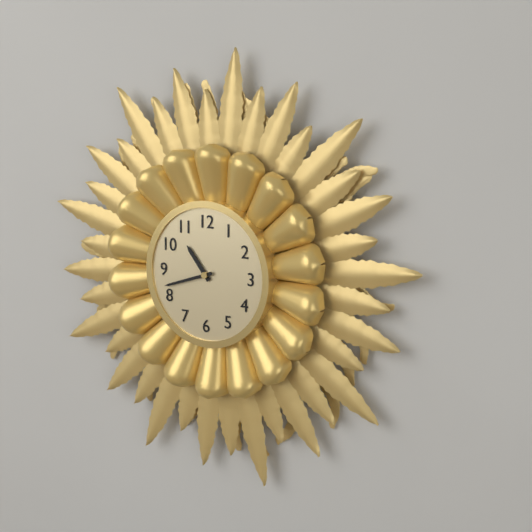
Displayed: 10h42
